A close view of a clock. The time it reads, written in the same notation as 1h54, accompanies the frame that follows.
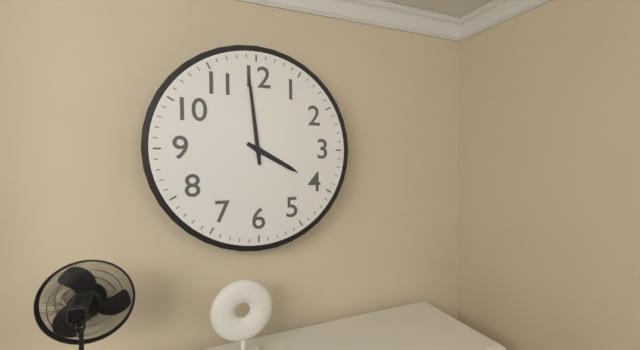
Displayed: 3h59
